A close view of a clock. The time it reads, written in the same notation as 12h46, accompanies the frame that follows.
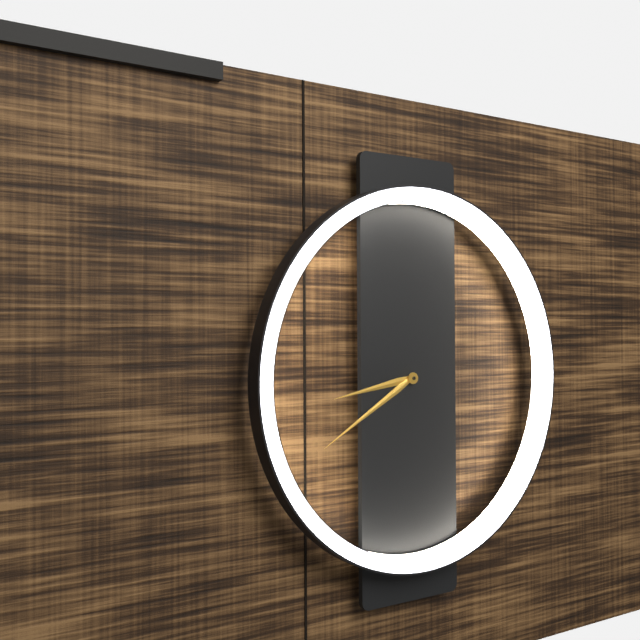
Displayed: 8h40
